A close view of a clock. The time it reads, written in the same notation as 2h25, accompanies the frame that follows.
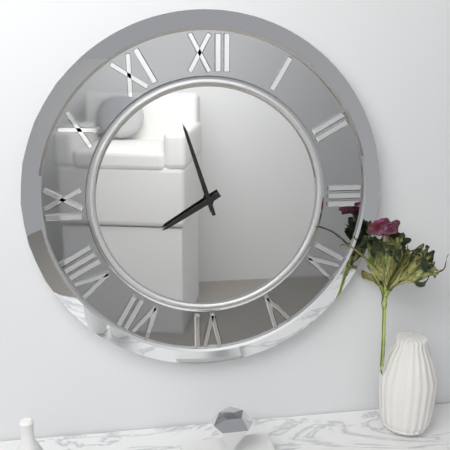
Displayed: 7h57
